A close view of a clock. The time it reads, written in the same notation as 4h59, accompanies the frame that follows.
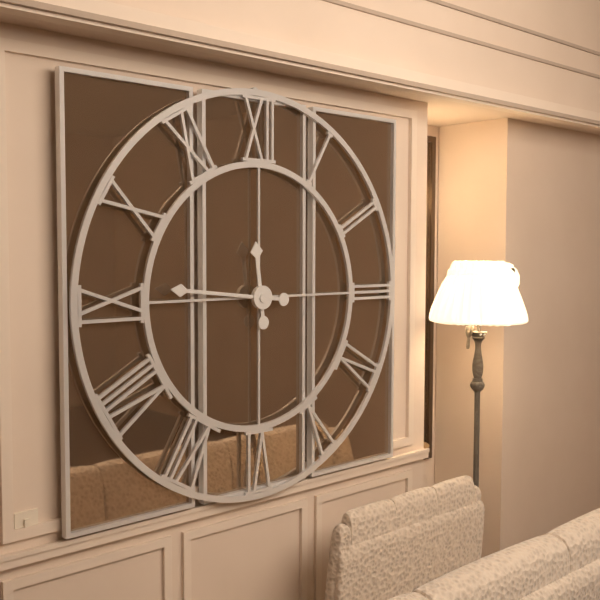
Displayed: 11h46
